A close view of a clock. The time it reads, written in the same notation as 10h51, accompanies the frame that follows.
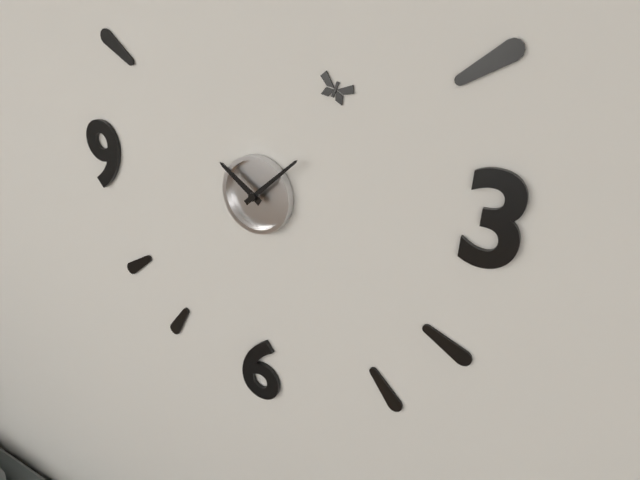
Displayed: 10h08
